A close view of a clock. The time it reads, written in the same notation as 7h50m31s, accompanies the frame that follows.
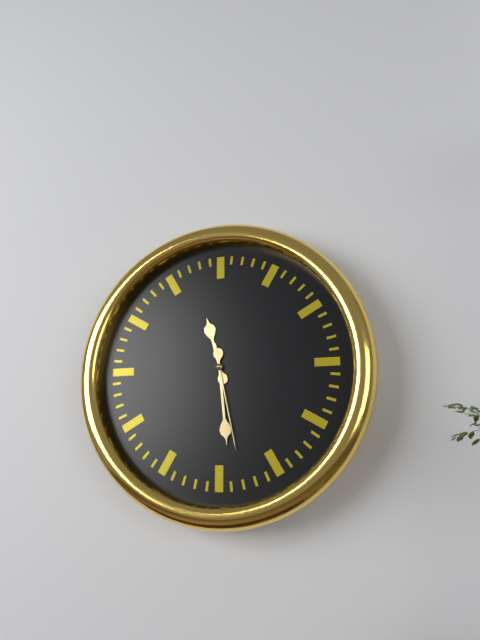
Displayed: 11h29m28s
